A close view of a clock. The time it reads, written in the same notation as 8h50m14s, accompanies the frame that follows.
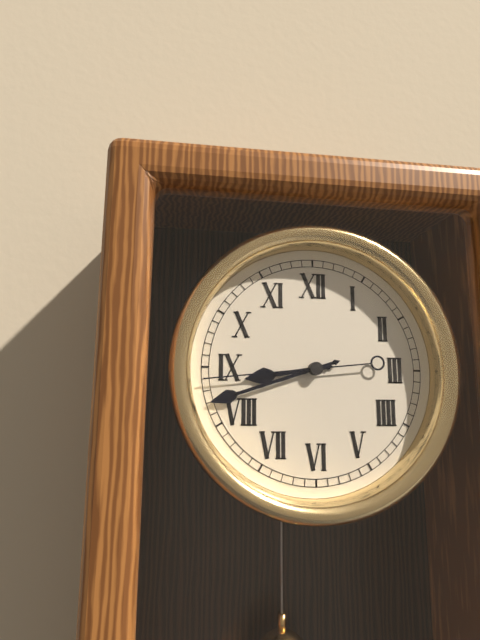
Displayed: 8h42m44s
